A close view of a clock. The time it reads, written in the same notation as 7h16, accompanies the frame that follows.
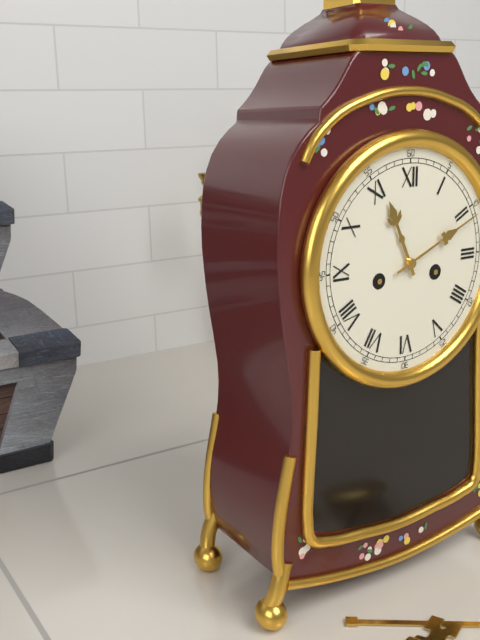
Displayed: 11h11
